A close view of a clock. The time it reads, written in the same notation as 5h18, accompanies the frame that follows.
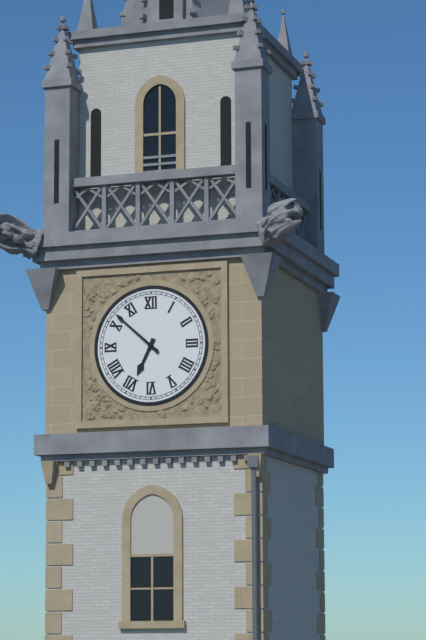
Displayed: 6h52
